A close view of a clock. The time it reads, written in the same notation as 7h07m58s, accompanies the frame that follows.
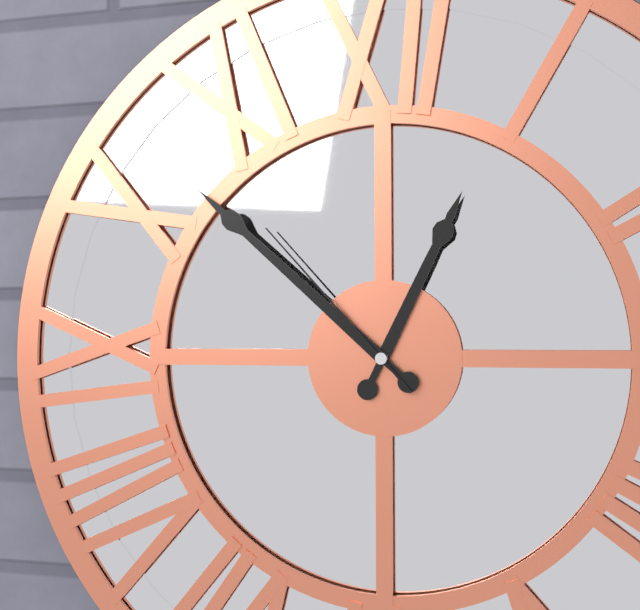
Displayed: 12h52m53s
